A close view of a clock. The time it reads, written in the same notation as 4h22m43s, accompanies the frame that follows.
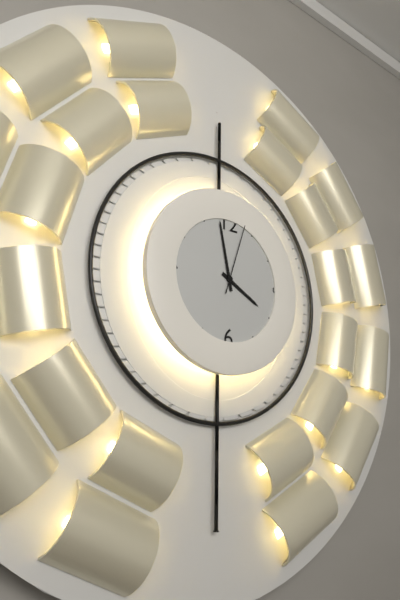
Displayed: 3h58m03s
